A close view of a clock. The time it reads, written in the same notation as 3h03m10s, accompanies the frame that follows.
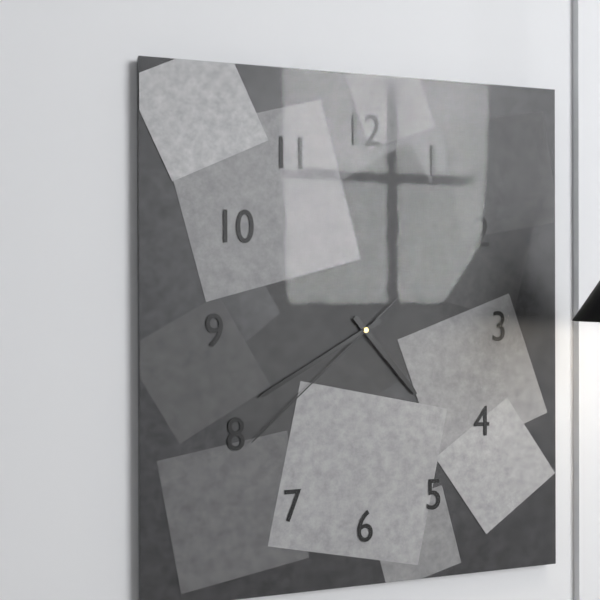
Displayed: 4h40m38s
